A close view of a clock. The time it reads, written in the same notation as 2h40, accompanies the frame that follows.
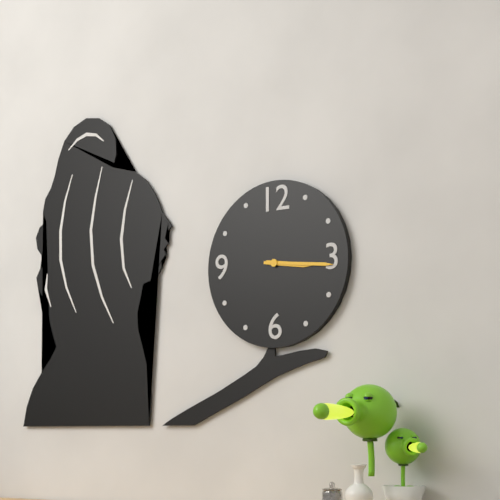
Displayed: 3h16
